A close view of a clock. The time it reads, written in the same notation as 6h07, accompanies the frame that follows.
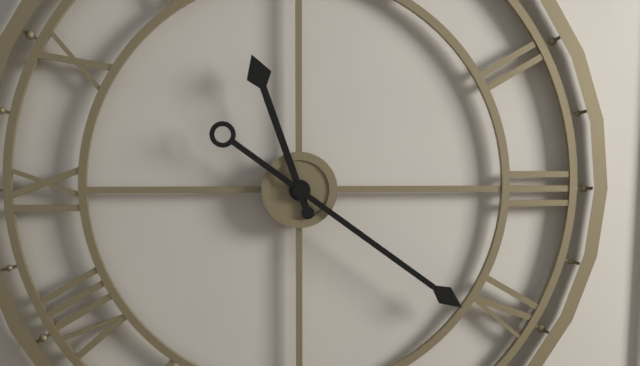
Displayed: 11h21
